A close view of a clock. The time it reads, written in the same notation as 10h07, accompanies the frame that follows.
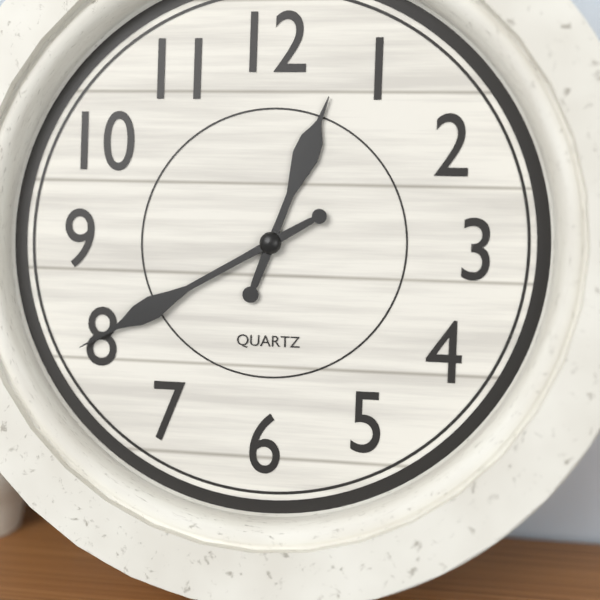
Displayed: 12h40
